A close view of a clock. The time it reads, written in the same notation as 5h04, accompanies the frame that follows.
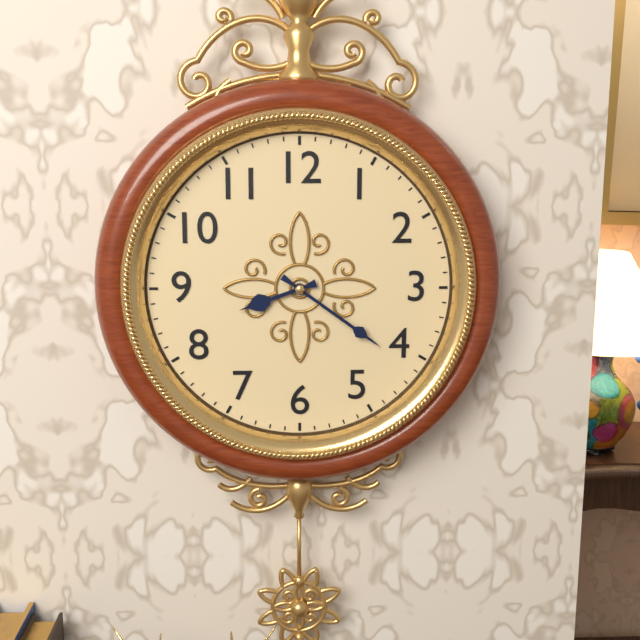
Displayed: 8h21
